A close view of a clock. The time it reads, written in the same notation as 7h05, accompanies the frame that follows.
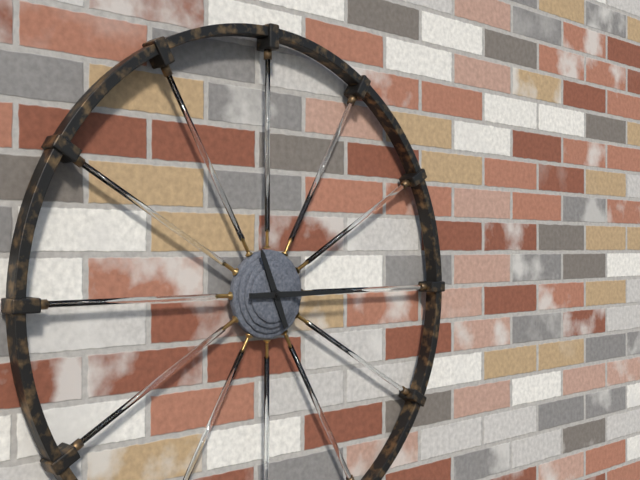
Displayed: 11h15
